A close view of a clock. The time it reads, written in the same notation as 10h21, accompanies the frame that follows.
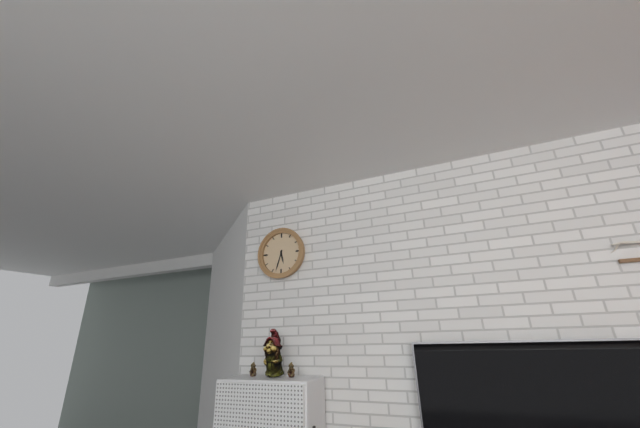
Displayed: 5h33
